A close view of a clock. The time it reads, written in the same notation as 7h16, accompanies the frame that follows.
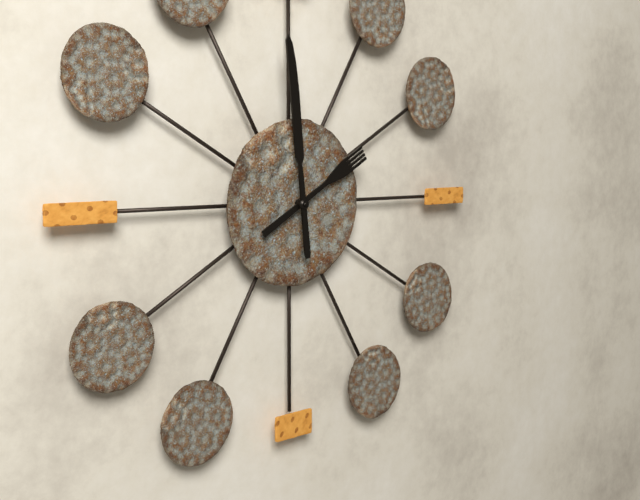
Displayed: 1h59
